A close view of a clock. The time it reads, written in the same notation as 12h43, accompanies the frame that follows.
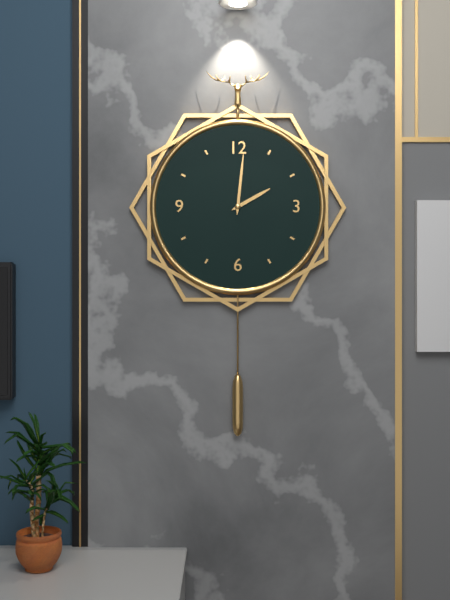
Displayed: 2h01
